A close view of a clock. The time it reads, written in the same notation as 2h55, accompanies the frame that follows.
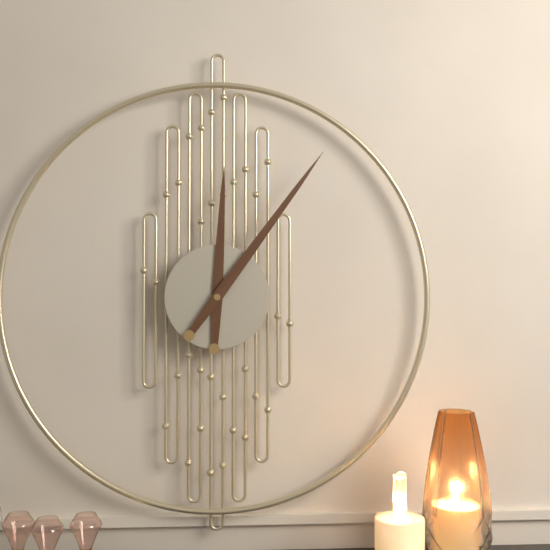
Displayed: 12h06
